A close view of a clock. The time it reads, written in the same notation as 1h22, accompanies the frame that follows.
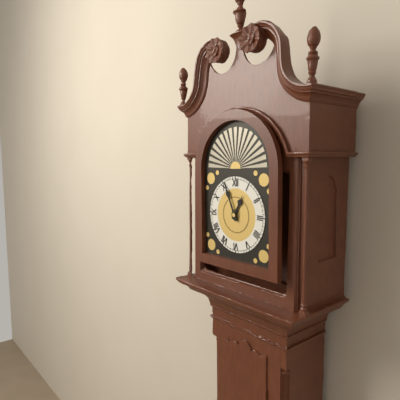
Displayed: 12h56
